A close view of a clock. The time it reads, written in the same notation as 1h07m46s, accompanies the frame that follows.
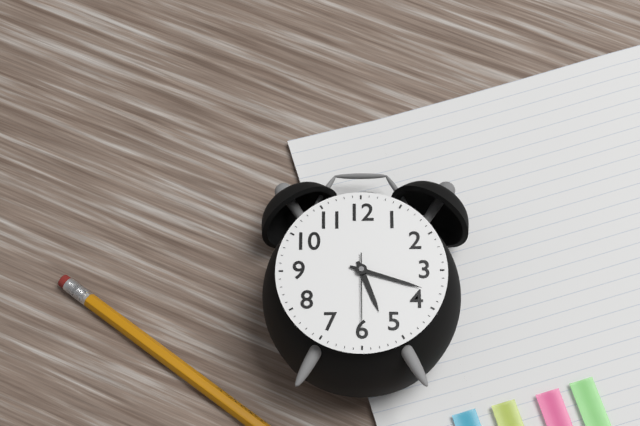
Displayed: 5h18m30s
